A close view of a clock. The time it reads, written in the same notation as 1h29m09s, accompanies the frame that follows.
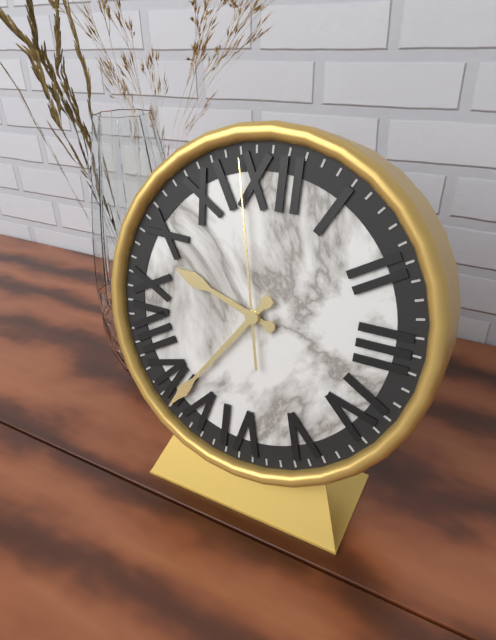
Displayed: 9h36m58s
